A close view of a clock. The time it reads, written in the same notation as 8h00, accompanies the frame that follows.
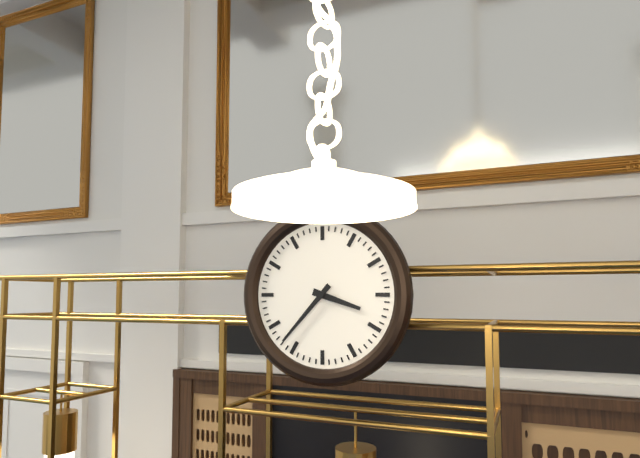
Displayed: 3h37
